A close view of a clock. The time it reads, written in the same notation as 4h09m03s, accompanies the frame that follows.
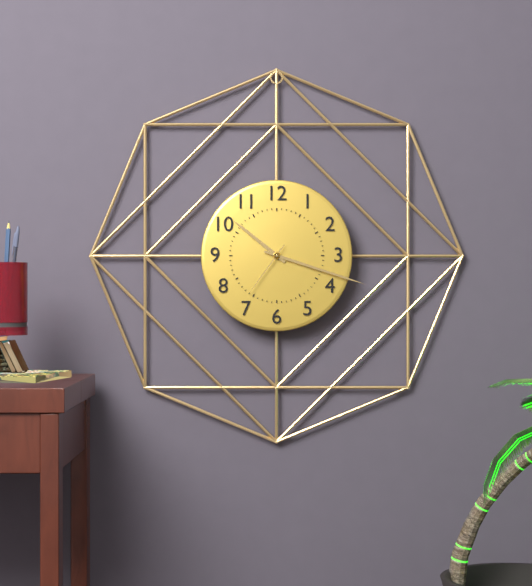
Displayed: 10h18m36s
